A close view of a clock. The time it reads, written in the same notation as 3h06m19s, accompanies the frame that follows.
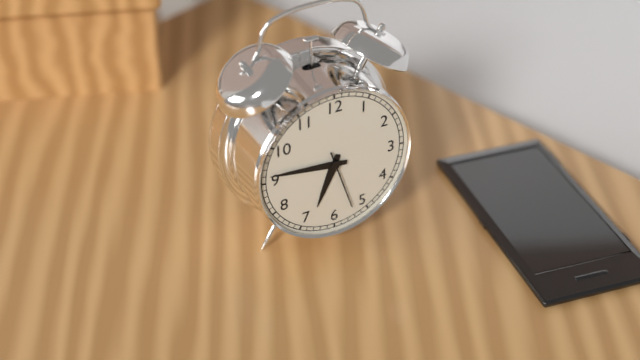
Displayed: 6h46m27s
